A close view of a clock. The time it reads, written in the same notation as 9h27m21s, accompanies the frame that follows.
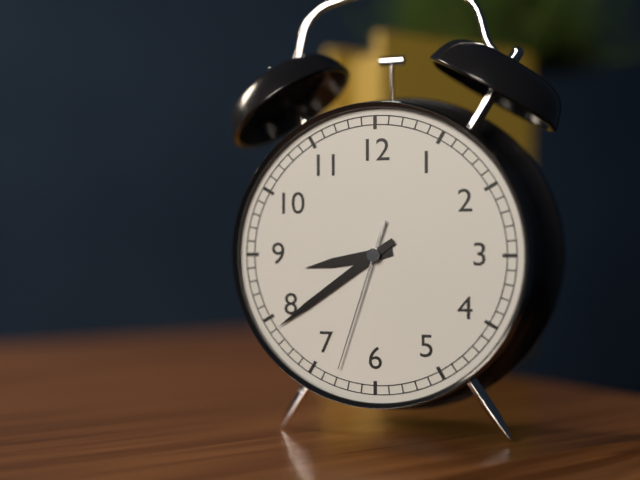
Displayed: 8h39m33s
